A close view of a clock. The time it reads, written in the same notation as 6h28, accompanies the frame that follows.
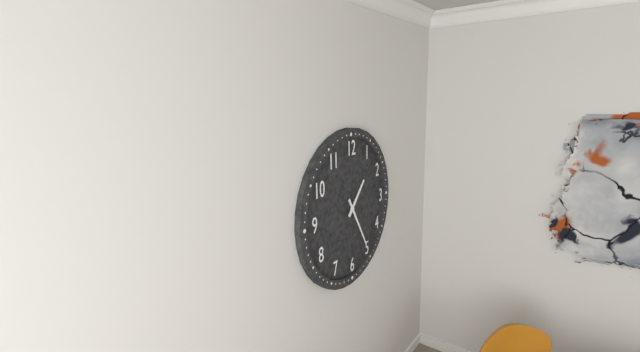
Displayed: 1h25
